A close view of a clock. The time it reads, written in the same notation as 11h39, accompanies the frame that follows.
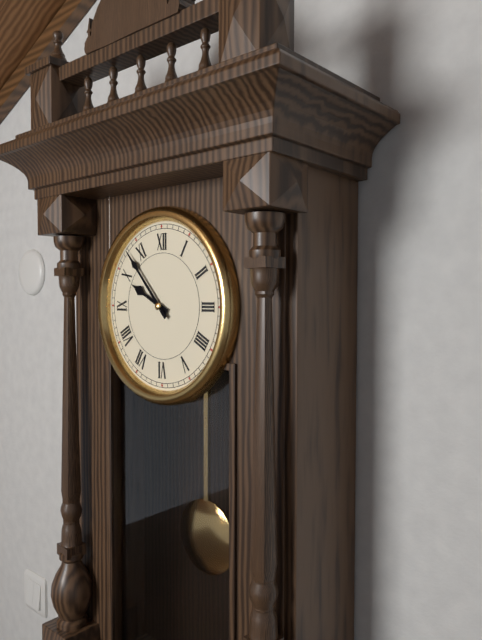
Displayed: 9h53
